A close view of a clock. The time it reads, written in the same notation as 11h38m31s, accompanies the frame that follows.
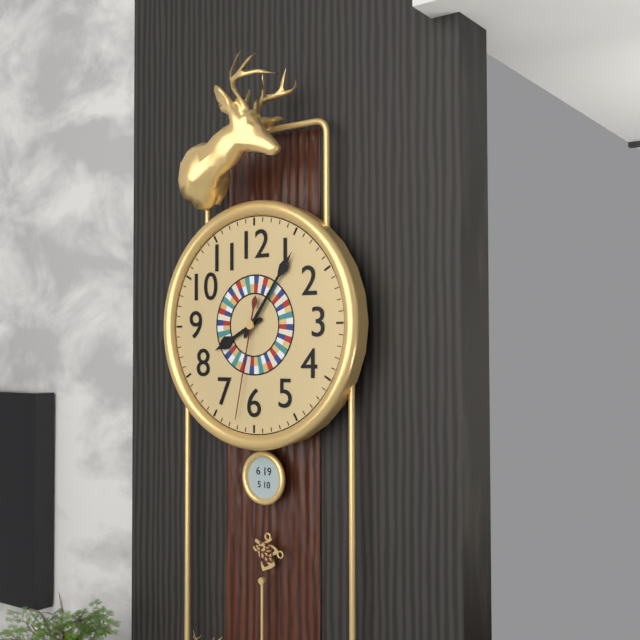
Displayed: 8h06m32s
